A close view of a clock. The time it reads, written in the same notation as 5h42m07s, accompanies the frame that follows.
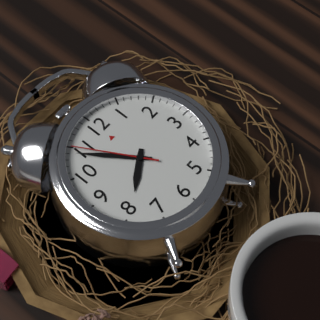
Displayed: 7h54m55s
